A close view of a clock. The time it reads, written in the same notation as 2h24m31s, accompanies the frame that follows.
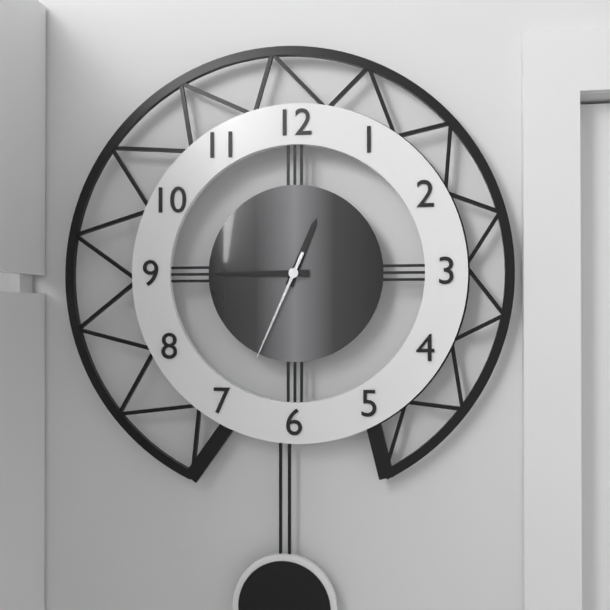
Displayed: 12h45m34s
